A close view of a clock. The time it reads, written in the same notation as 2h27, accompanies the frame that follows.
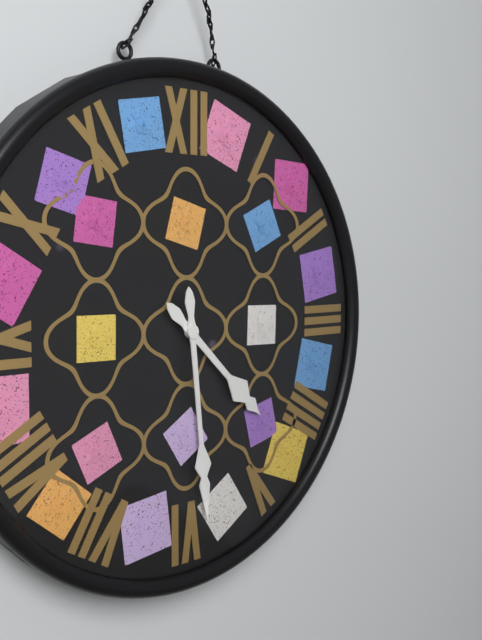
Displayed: 4h29
